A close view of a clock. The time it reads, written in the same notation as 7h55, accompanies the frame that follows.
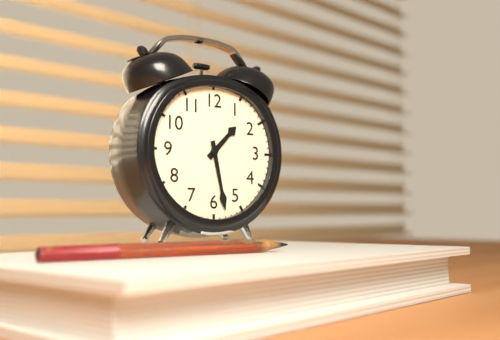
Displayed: 1h28
